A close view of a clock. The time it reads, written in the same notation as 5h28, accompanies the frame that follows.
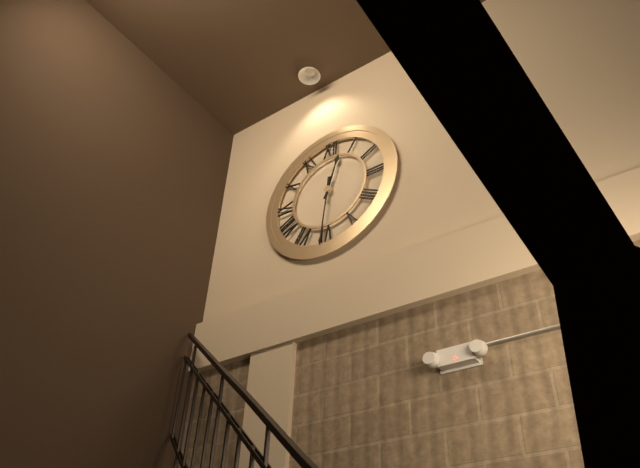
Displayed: 12h31
